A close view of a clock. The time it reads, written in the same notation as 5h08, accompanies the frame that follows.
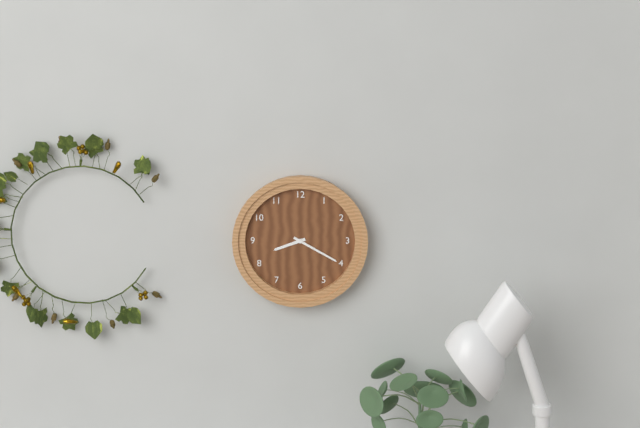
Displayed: 8h20
